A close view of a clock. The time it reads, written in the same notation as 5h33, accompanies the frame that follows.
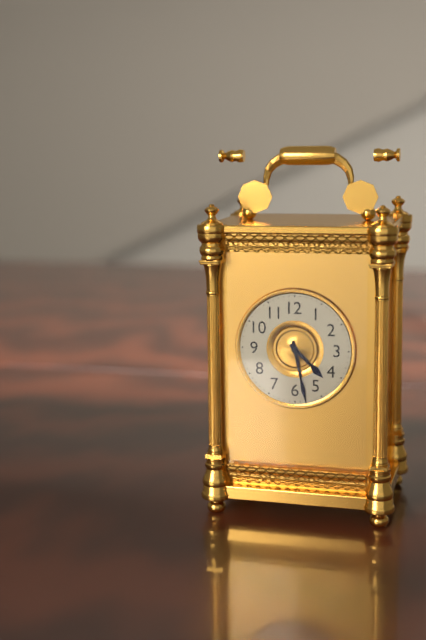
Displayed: 4h28
